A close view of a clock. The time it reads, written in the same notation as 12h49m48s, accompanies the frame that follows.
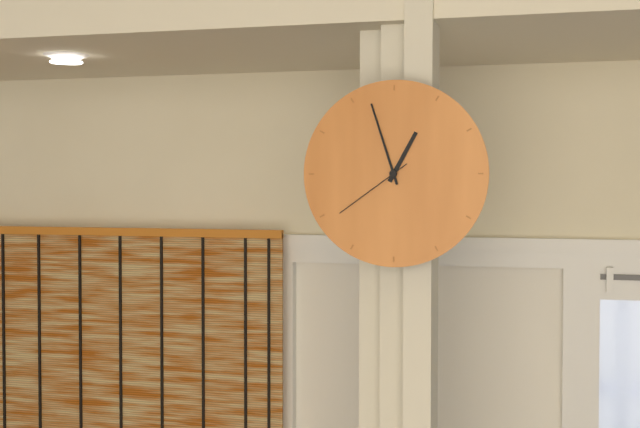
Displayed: 12h57m39s
